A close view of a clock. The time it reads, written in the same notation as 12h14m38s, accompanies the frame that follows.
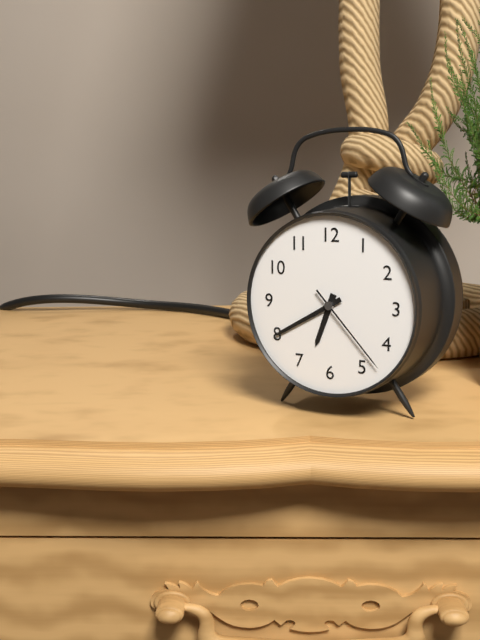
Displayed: 6h40m23s
